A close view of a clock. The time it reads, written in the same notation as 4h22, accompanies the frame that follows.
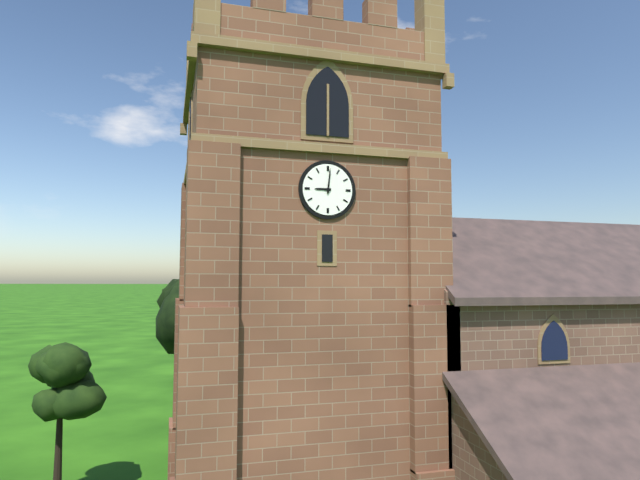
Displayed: 9h01
